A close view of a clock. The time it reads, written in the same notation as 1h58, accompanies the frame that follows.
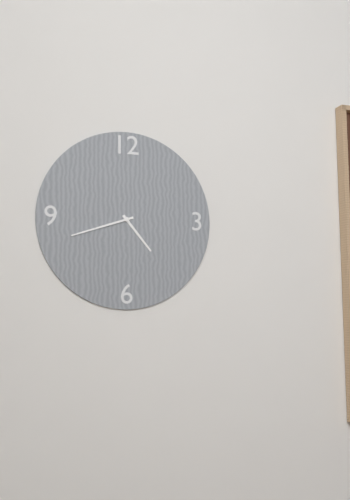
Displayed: 4h42
